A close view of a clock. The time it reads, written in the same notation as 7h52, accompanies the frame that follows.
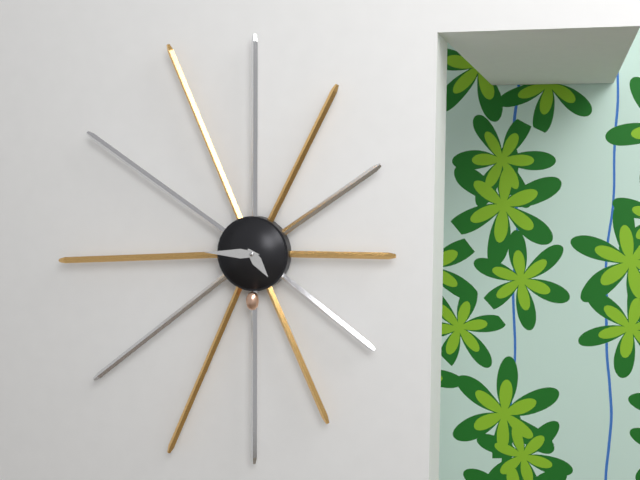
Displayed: 4h45
